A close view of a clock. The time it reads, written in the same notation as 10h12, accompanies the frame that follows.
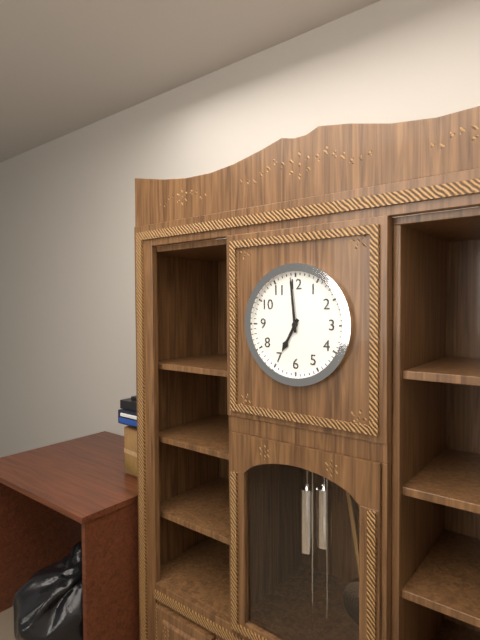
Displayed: 6h59
